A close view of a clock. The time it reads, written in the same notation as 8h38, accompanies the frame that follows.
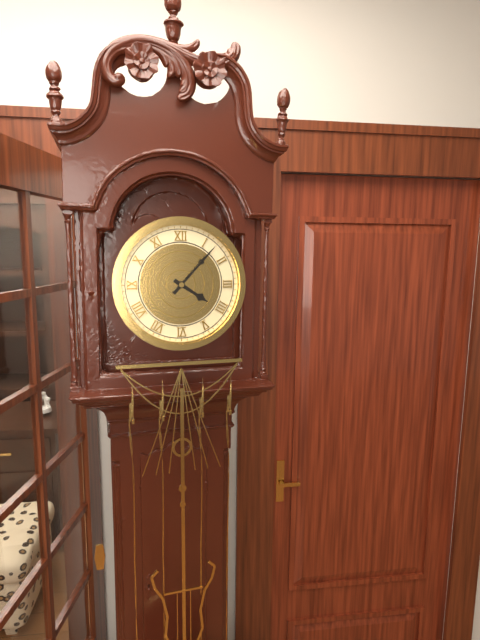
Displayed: 4h07
